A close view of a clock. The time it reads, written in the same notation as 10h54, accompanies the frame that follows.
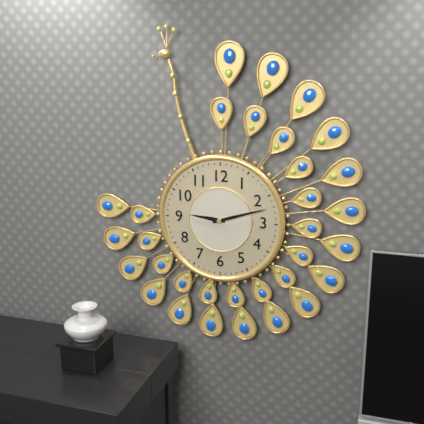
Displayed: 9h12
